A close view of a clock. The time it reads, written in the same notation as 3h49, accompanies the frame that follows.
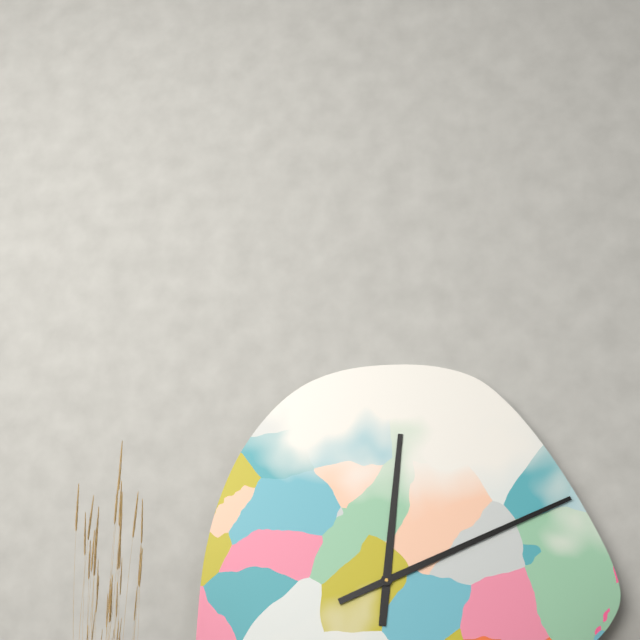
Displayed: 12h11
